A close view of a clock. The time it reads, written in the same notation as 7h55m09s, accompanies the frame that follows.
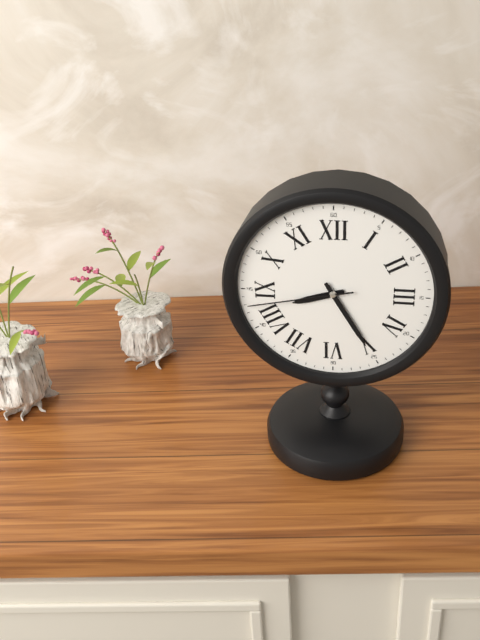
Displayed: 8h25m43s
